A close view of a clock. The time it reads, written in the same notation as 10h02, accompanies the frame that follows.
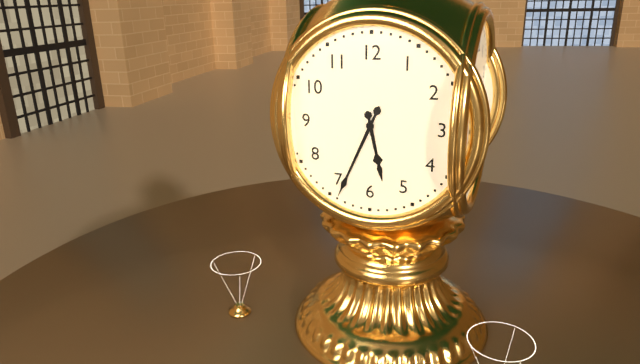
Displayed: 5h34
